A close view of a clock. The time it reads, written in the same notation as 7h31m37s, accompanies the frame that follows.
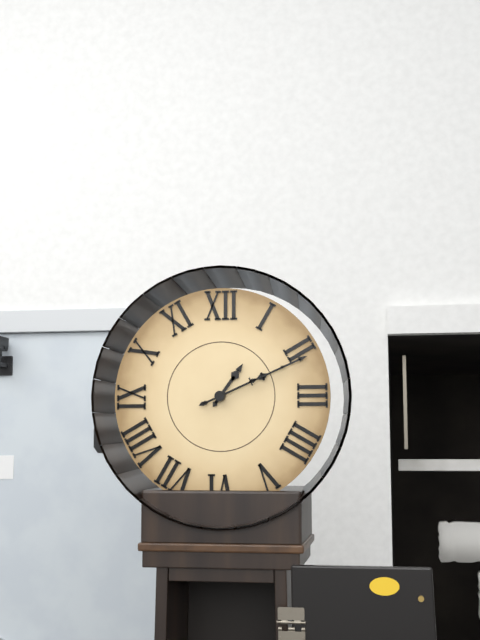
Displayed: 1h11m11s
